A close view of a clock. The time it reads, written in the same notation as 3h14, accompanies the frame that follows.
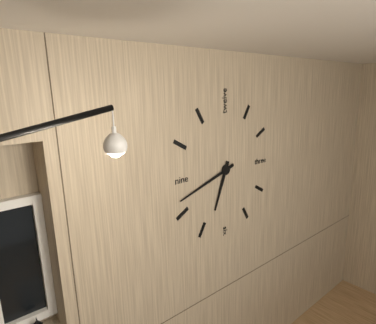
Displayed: 6h42
